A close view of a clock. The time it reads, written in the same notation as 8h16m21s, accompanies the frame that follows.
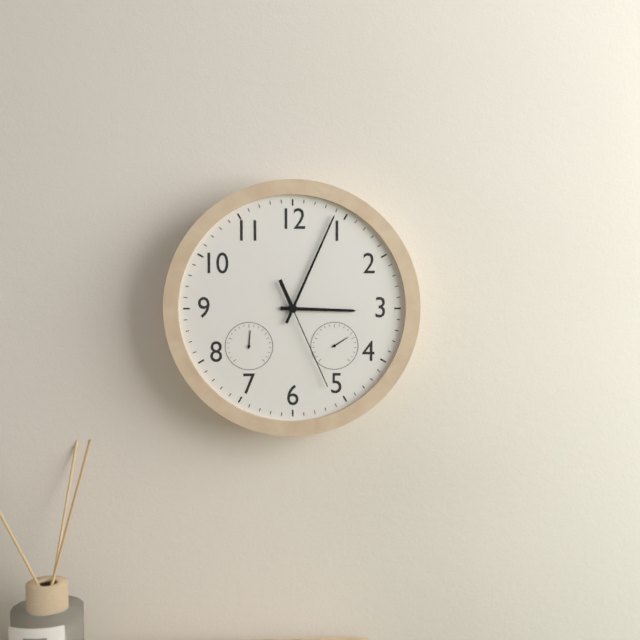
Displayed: 3h04m26s
